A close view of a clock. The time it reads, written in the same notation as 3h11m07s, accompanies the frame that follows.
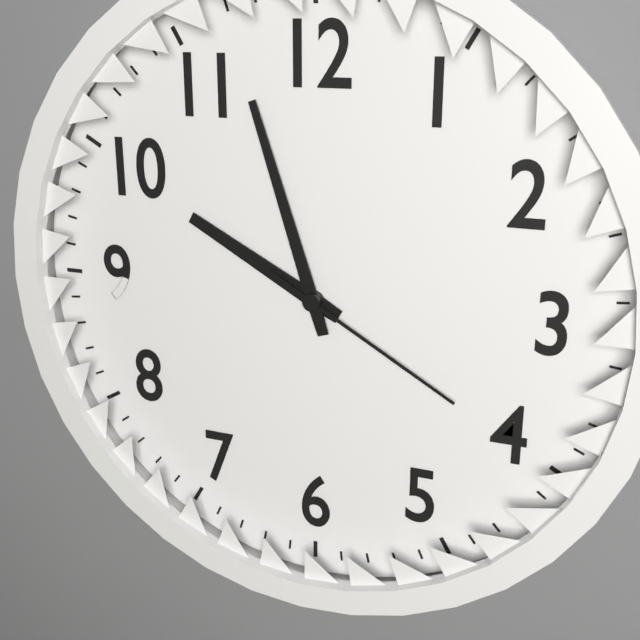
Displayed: 9h57m20s
